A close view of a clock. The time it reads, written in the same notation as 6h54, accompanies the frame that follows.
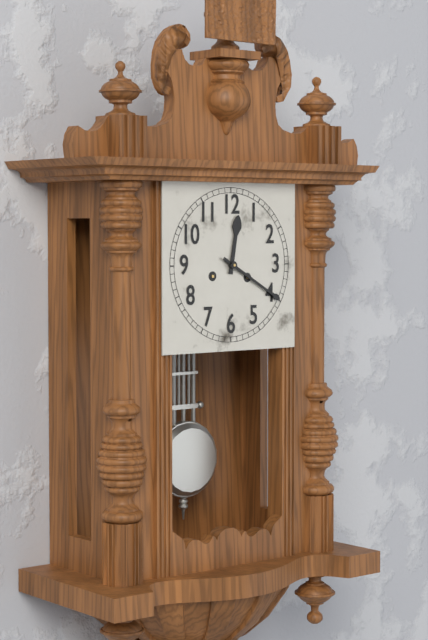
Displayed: 12h20
